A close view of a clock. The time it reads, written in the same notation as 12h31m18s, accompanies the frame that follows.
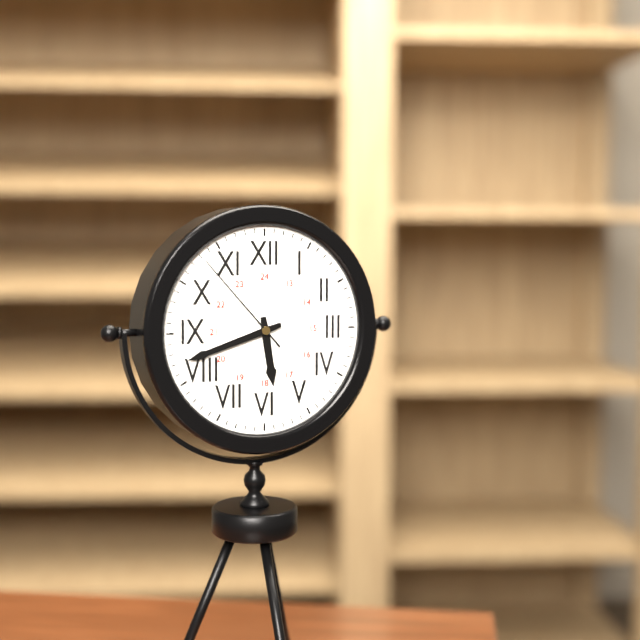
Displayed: 5h42m53s
